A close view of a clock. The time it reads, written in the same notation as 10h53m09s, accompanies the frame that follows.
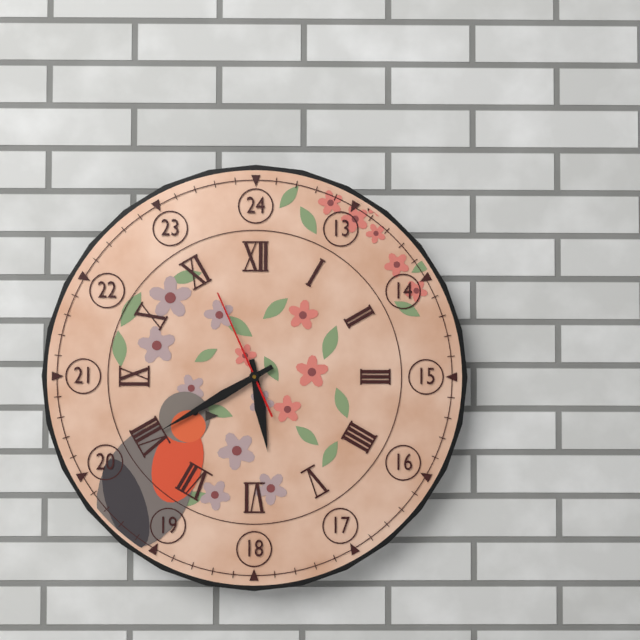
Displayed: 5h40m56s
